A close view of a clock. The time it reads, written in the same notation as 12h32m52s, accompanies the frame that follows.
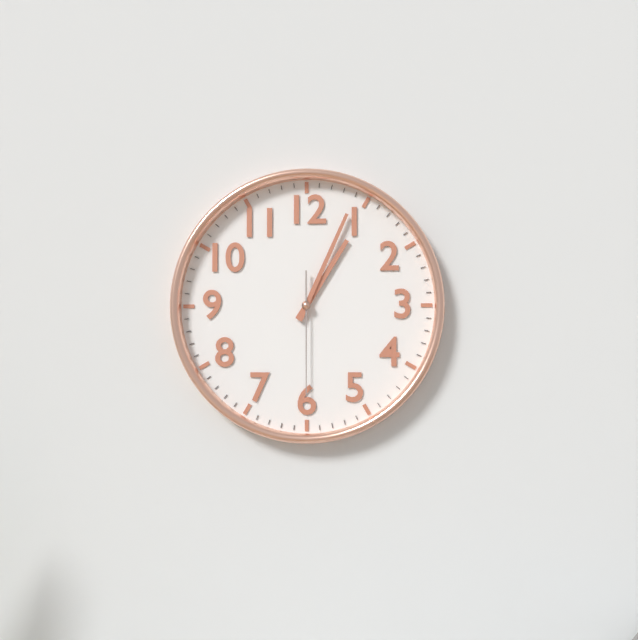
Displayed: 1h04m30s
